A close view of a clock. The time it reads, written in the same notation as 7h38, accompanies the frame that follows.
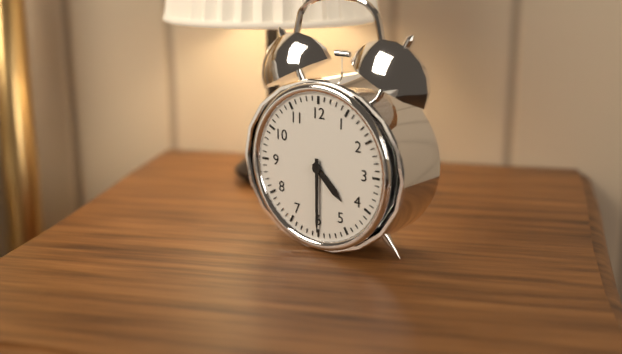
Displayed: 4h30
